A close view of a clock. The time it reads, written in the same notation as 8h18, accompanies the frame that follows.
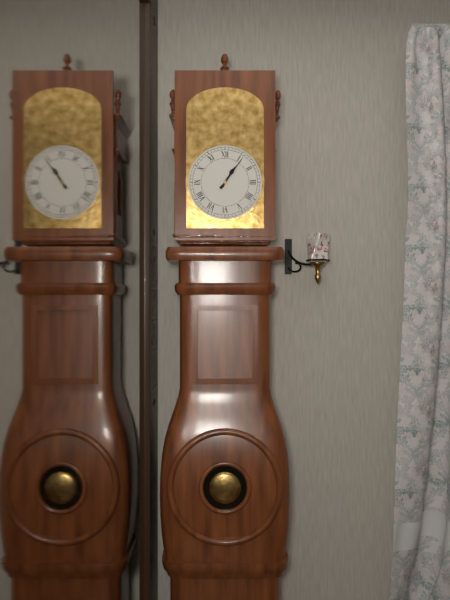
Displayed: 1h06
